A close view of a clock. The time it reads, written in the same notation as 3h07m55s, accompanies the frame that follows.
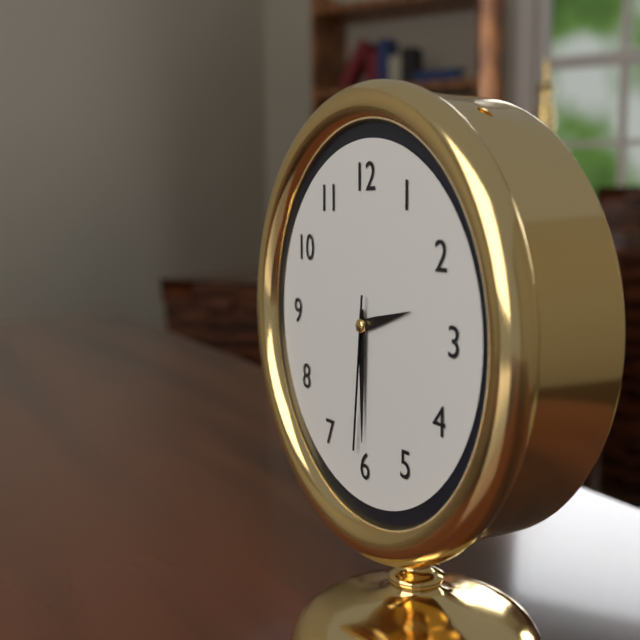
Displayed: 2h30m31s
